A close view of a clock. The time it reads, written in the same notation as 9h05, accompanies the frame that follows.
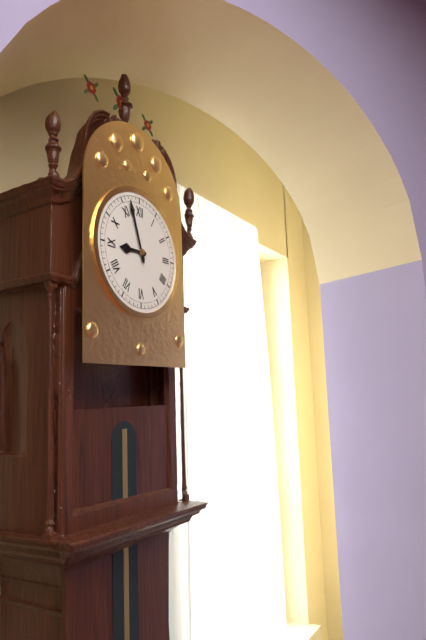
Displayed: 8h57
